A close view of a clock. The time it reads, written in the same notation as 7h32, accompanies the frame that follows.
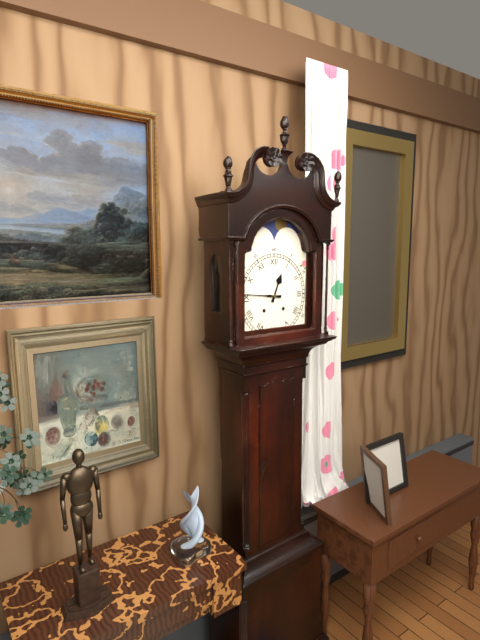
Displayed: 12h46
